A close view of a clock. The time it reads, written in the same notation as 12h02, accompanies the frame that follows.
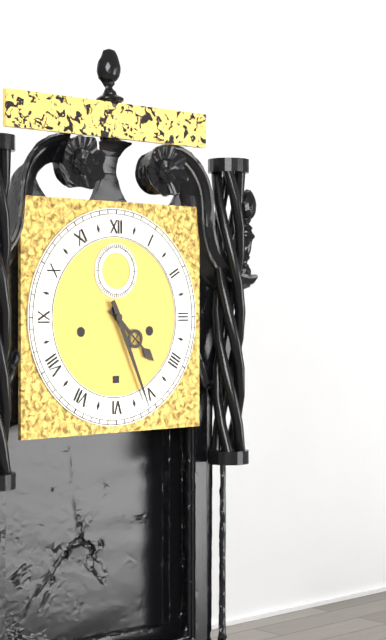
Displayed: 4h26
